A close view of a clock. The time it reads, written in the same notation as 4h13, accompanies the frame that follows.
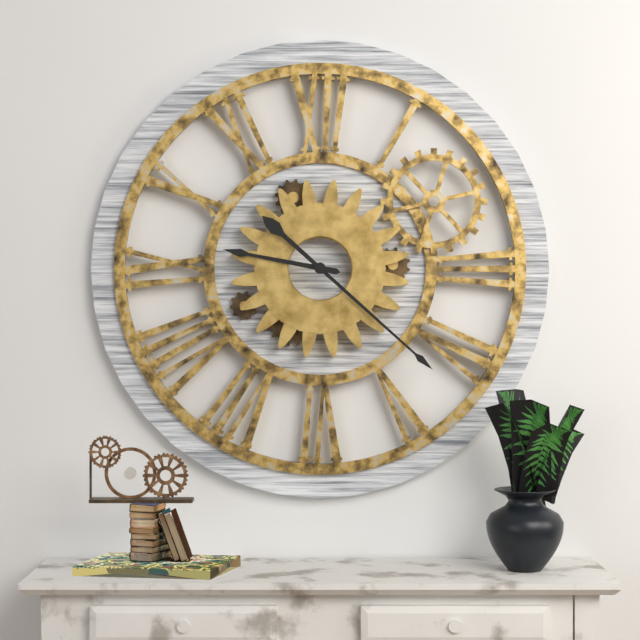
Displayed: 9h22
